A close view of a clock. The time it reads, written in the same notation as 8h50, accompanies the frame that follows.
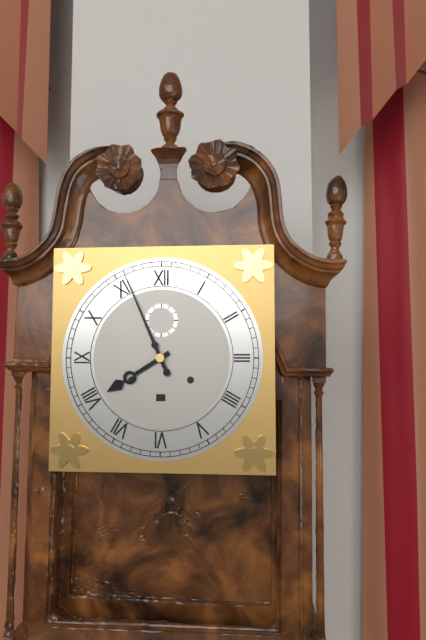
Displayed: 7h56
